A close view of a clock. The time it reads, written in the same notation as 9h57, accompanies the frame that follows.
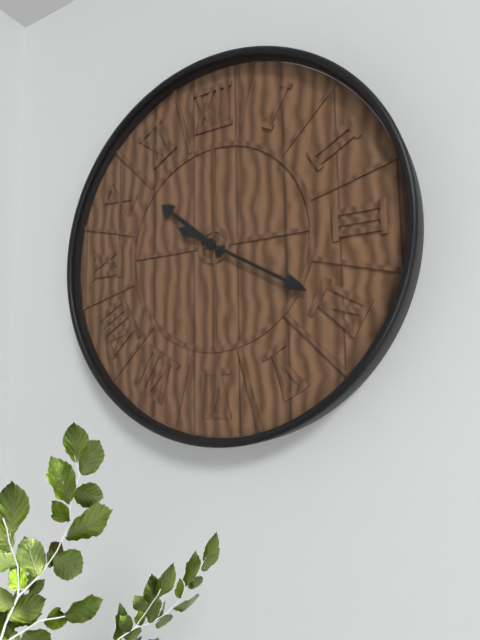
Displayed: 10h20
